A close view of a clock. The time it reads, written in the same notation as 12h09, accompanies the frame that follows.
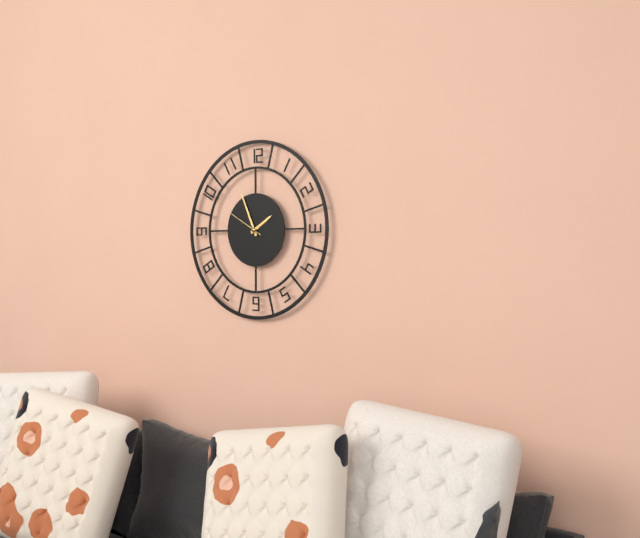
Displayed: 1h56
